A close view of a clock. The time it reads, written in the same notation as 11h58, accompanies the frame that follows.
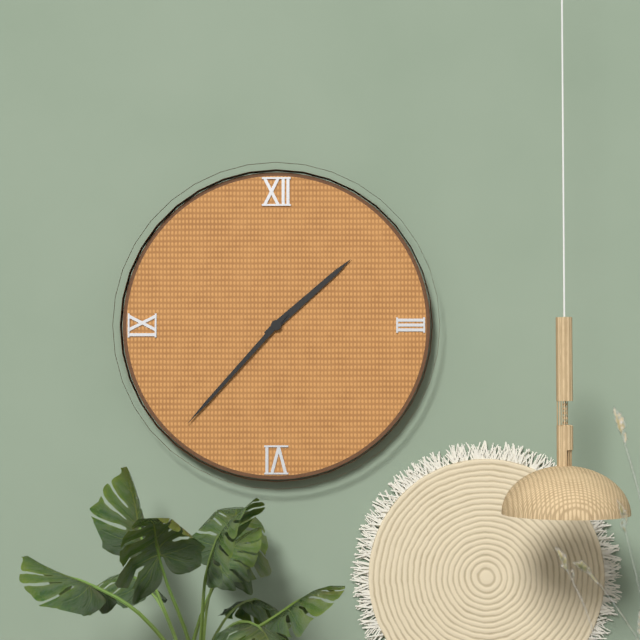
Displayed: 1h37
